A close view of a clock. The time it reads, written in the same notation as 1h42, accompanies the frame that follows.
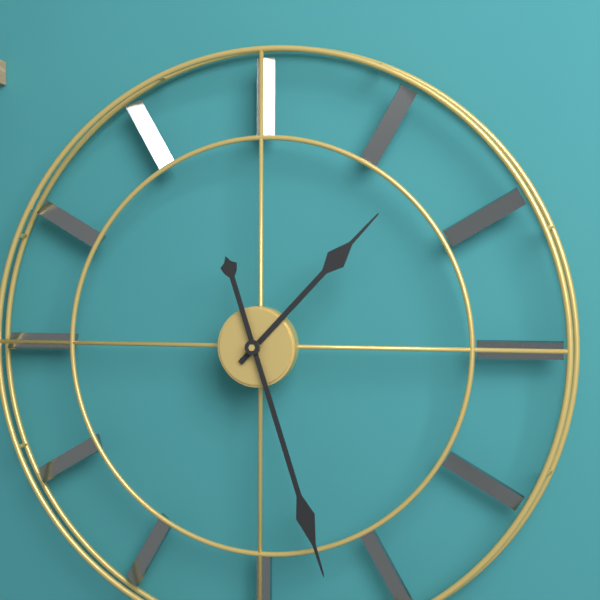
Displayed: 1h27
